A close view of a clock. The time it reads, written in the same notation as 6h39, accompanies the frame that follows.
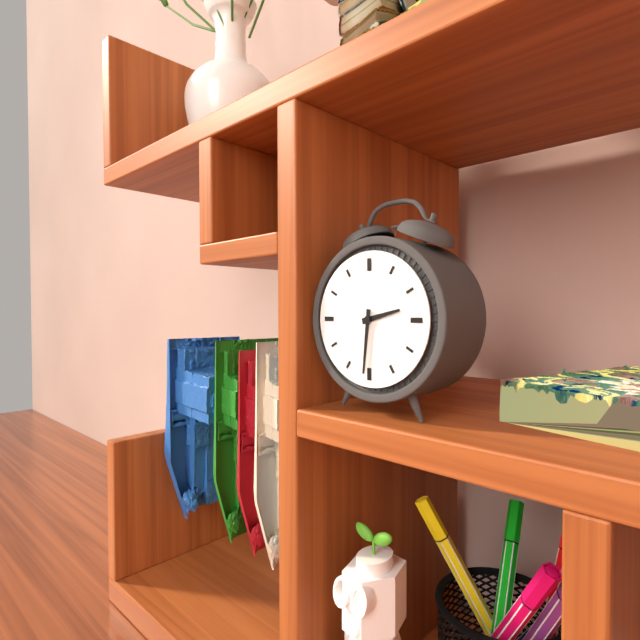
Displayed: 2h31
